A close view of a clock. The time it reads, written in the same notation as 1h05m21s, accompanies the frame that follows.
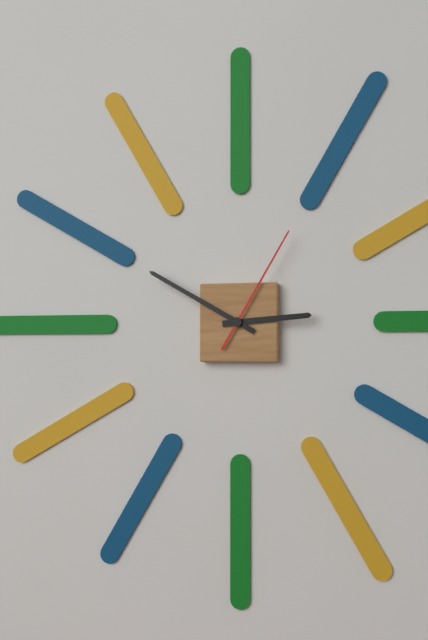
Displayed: 2h50m05s
